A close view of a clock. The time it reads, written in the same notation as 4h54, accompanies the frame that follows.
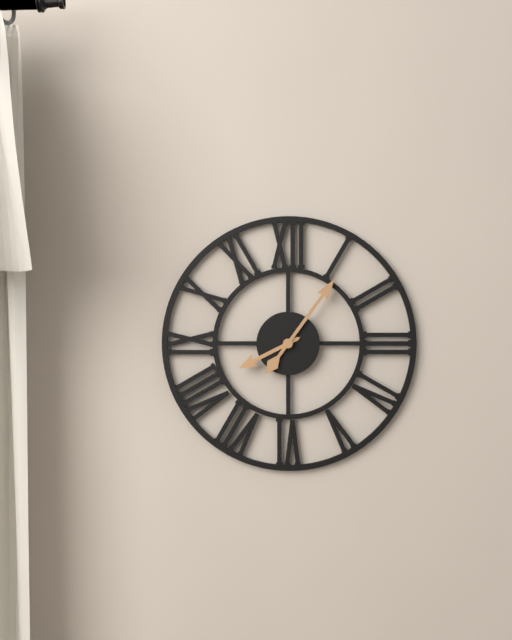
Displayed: 8h06
